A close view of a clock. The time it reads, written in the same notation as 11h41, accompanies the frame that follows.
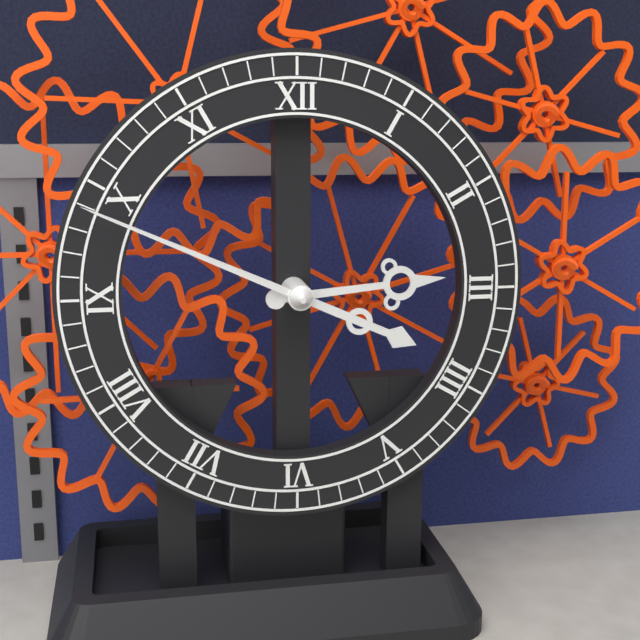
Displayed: 2h49
